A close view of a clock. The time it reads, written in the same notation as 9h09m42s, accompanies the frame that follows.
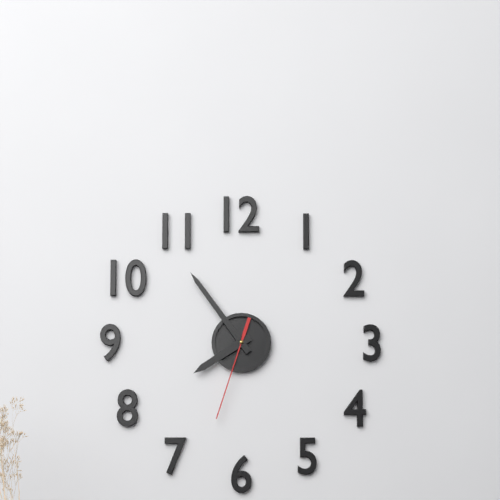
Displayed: 7h54m33s
